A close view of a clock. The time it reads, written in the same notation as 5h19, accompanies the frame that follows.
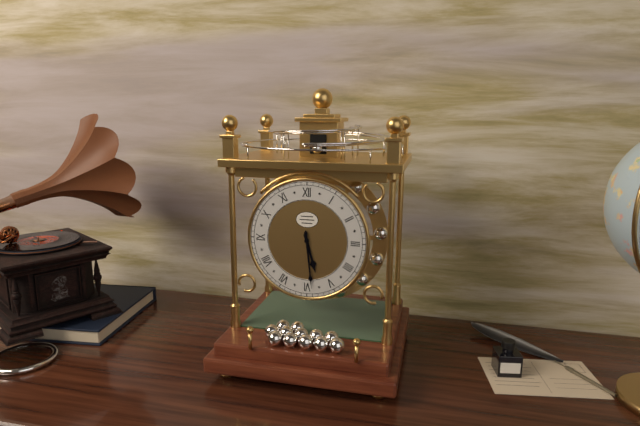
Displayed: 5h29
